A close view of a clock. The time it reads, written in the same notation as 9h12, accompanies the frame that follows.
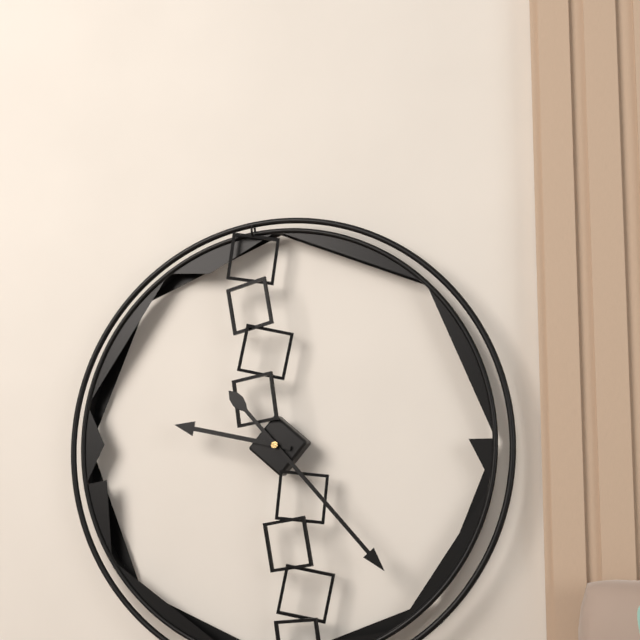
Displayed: 9h23
